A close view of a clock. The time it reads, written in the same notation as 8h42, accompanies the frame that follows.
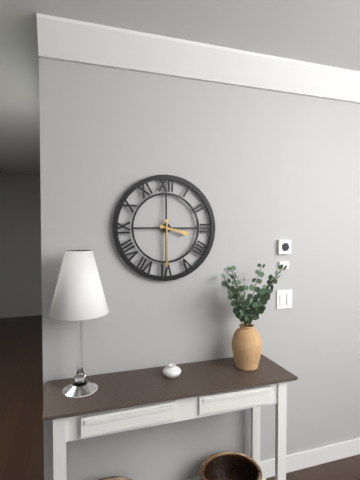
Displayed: 3h30
